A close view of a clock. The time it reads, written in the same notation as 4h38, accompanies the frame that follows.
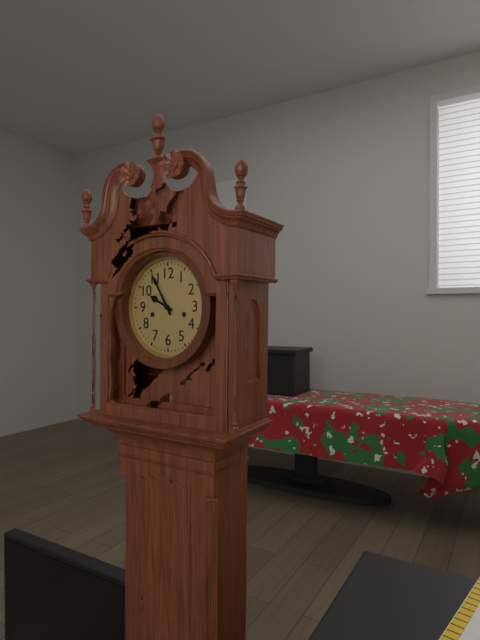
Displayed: 9h55
